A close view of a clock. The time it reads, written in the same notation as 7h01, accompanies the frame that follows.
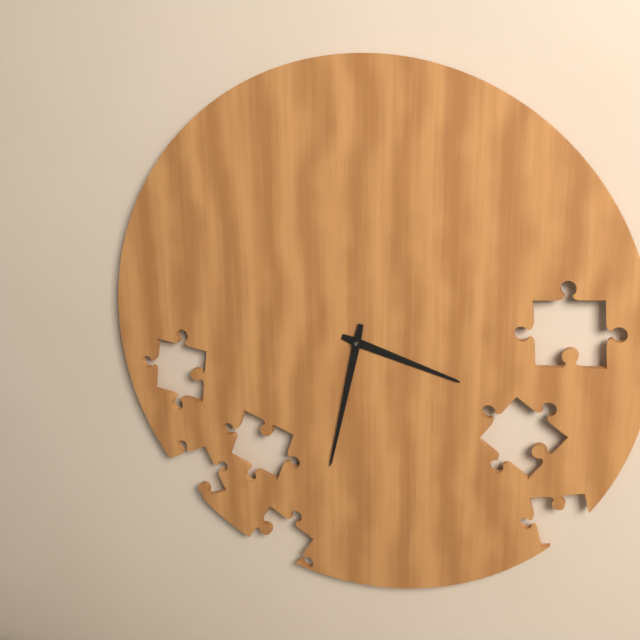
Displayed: 3h32
